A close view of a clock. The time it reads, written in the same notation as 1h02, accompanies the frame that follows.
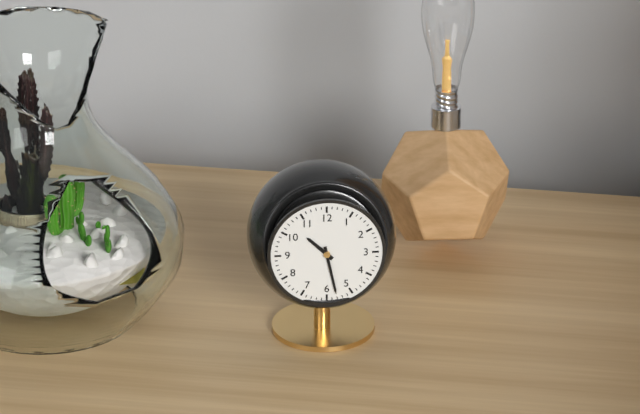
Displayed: 10h28
